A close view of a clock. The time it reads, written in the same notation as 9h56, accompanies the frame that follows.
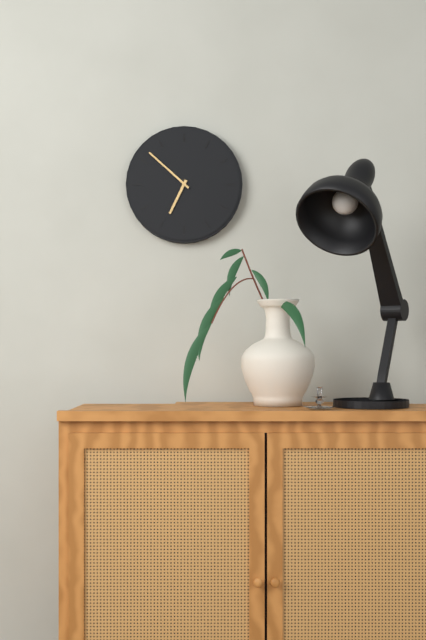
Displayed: 6h52
